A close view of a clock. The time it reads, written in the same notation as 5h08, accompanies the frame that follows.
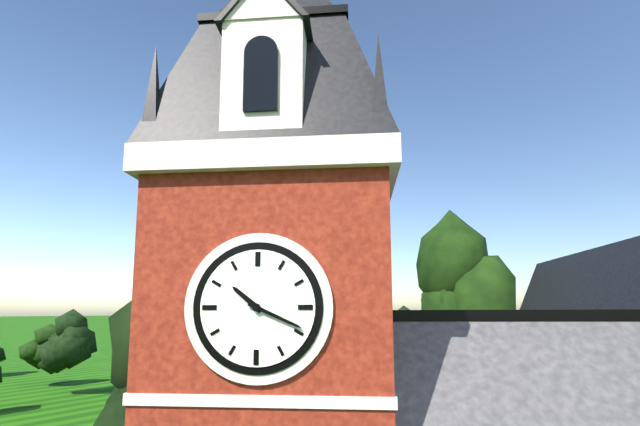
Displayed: 10h19
